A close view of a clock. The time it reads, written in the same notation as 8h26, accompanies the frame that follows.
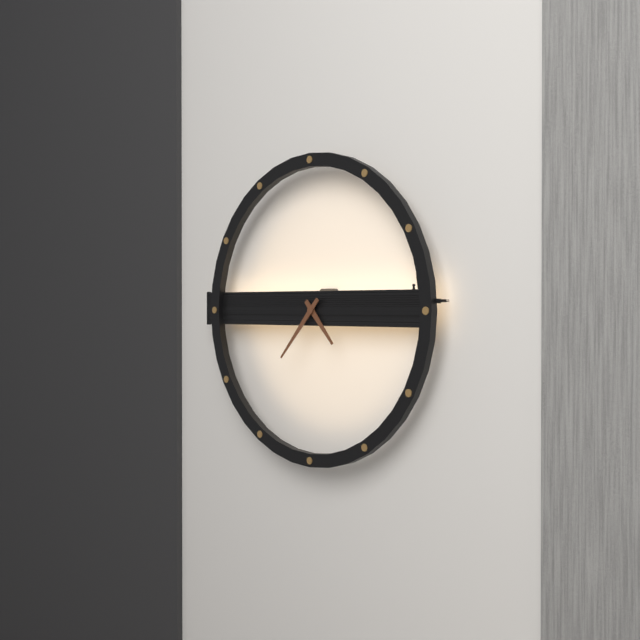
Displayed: 4h37
